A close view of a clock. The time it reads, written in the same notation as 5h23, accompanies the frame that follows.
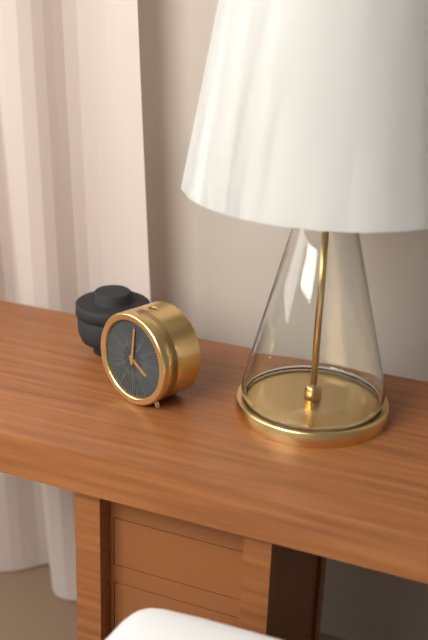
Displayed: 4h01
